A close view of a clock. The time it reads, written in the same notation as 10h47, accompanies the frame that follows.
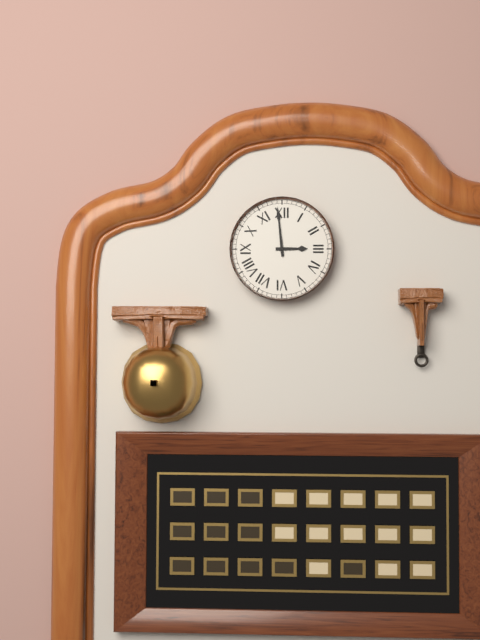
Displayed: 2h59
